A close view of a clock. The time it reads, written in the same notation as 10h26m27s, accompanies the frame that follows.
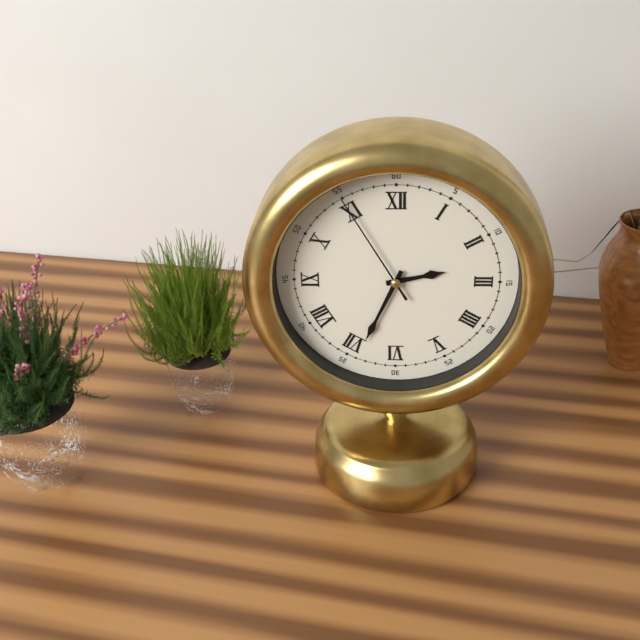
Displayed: 2h34m55s
